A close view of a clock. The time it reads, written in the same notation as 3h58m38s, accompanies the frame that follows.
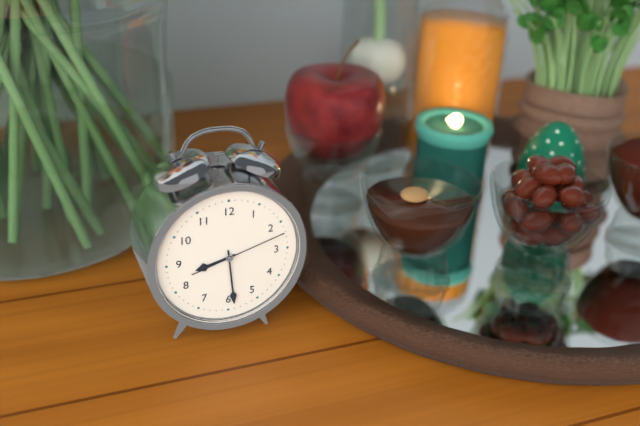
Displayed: 8h29m12s
